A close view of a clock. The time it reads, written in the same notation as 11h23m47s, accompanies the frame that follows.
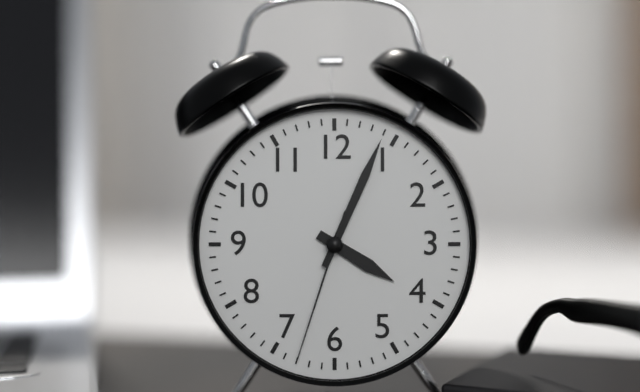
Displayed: 4h04m33s
